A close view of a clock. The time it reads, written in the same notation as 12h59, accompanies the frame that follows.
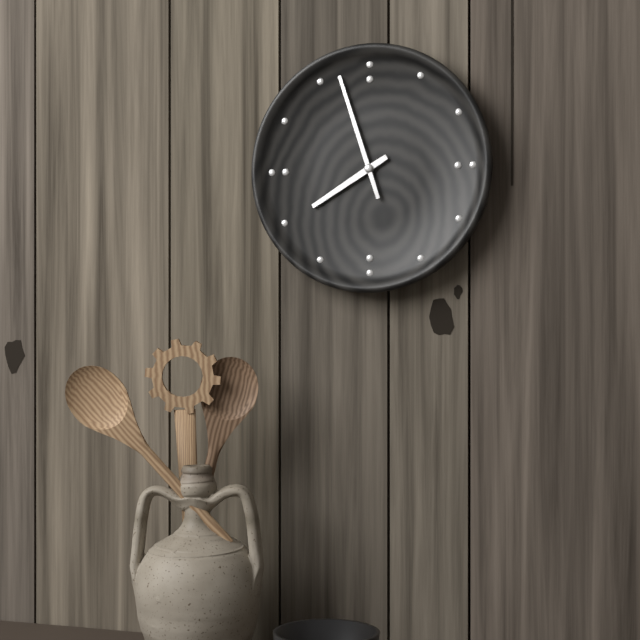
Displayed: 7h57
